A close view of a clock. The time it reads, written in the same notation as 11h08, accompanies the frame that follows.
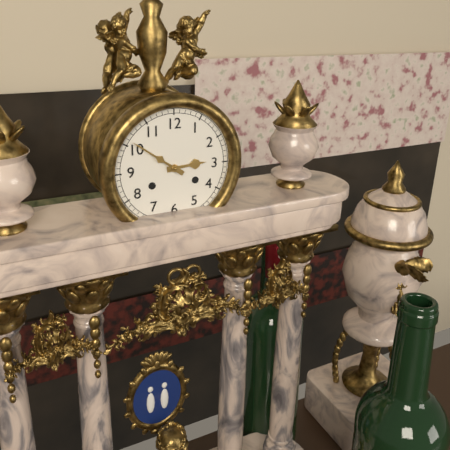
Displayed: 2h51
